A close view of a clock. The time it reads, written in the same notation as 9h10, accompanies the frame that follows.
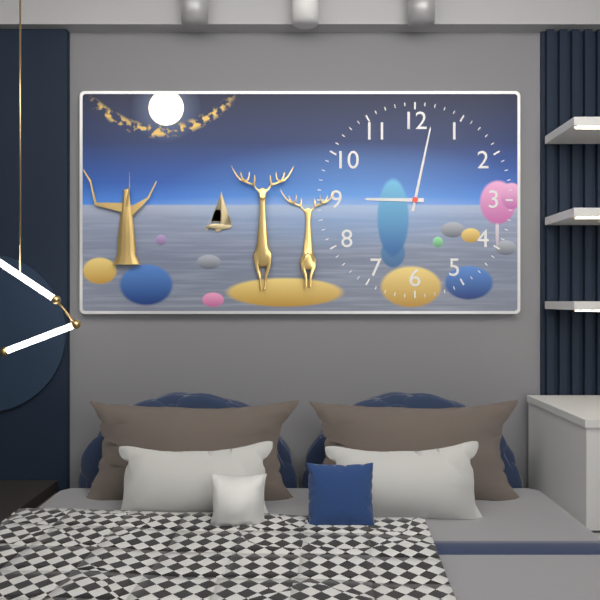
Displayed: 9h02
